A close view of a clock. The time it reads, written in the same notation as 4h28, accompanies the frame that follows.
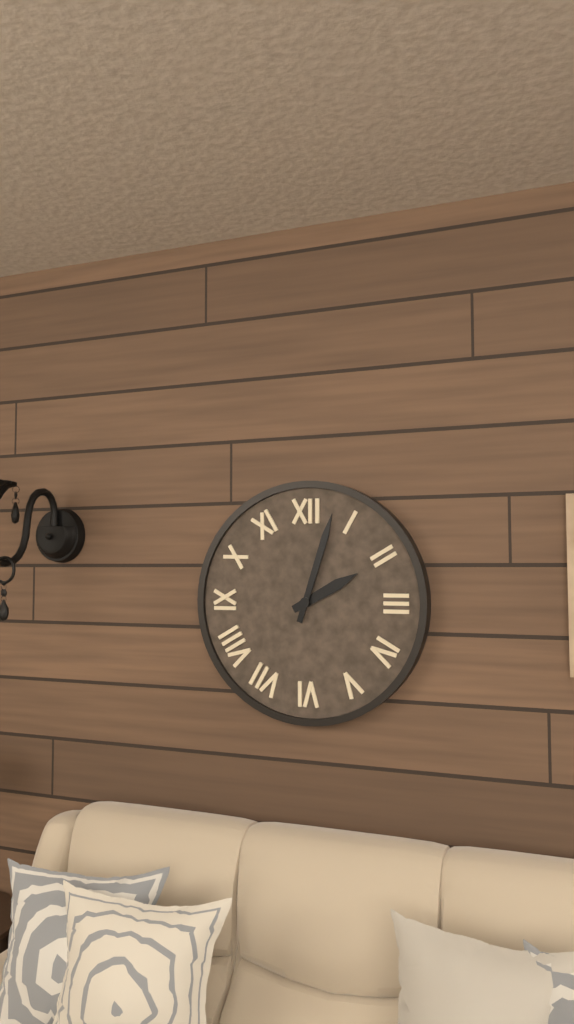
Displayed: 2h03
